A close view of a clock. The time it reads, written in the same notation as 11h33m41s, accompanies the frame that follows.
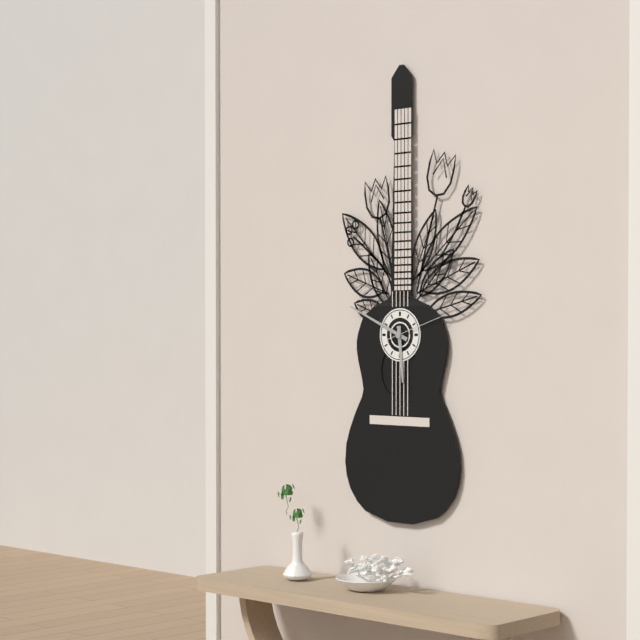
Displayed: 5h49m12s
